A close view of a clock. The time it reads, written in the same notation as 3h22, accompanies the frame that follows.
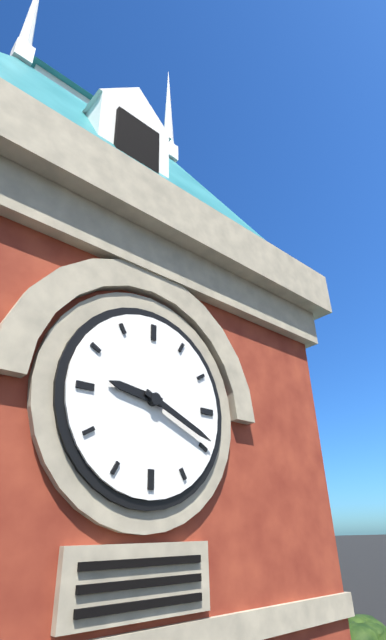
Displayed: 9h19
